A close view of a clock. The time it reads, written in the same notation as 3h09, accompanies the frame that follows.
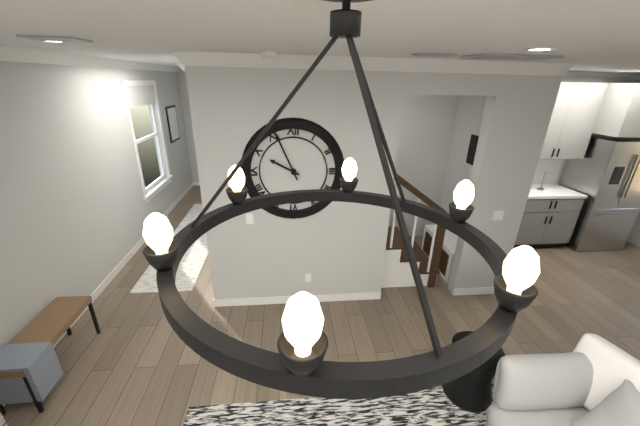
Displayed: 9h56
